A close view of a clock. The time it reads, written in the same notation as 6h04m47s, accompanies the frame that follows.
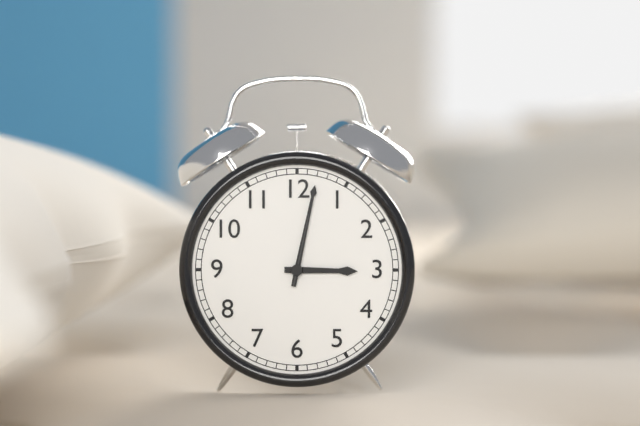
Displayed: 3h02m02s
